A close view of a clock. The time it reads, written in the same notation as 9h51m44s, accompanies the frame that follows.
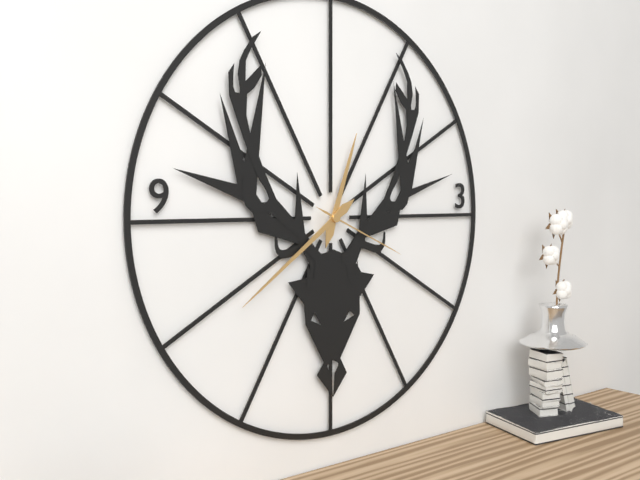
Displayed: 12h39m19s
